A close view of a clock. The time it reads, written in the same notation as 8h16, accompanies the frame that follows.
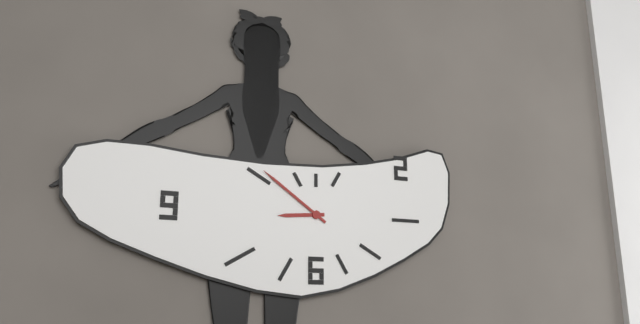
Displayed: 8h51
